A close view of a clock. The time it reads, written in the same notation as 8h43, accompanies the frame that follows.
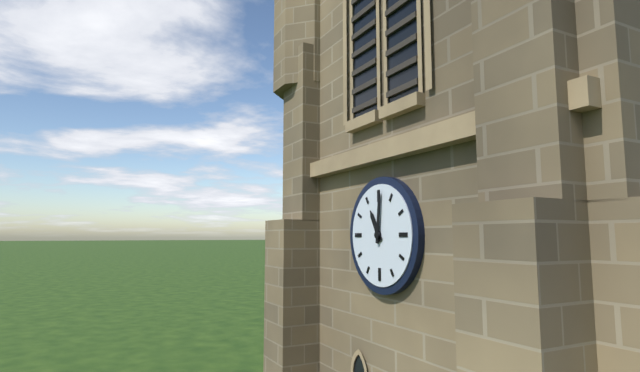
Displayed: 11h01
